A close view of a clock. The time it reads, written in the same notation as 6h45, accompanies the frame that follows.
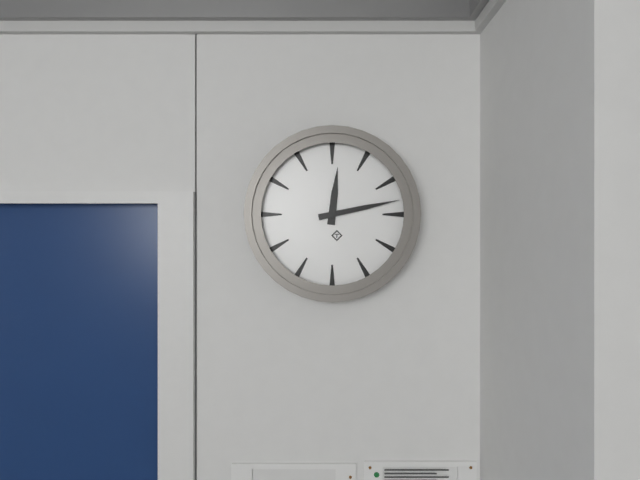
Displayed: 12h13
